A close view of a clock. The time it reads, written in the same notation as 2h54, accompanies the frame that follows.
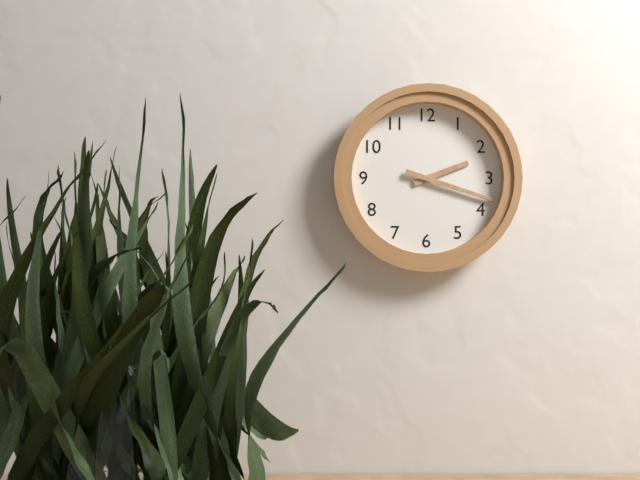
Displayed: 2h18
